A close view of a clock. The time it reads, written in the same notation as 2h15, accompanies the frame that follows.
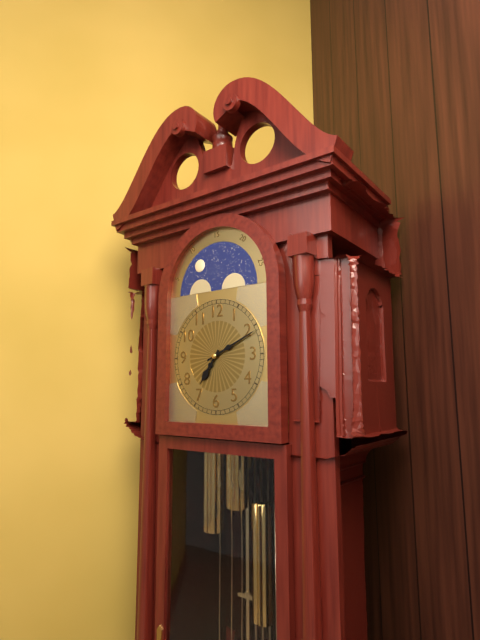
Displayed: 7h11
